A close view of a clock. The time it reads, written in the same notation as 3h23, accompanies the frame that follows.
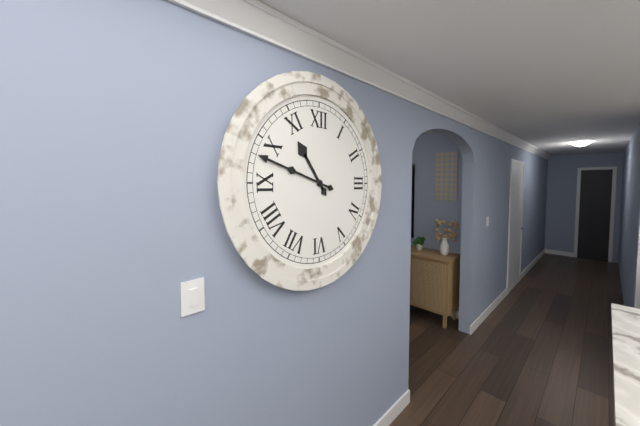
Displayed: 10h48
